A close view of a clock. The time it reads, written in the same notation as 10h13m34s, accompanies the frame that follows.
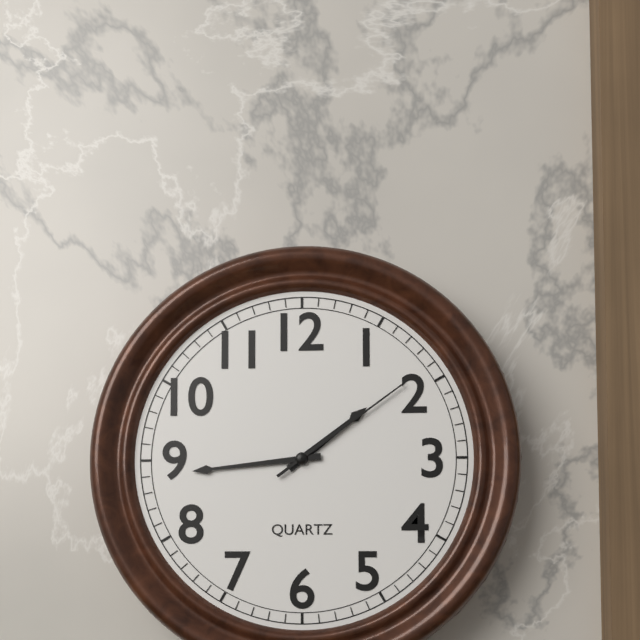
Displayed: 1h44m09s
